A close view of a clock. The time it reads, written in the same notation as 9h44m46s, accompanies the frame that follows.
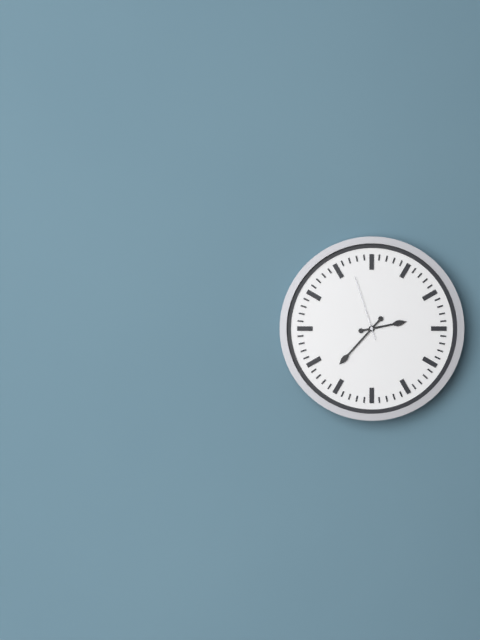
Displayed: 2h37m57s
